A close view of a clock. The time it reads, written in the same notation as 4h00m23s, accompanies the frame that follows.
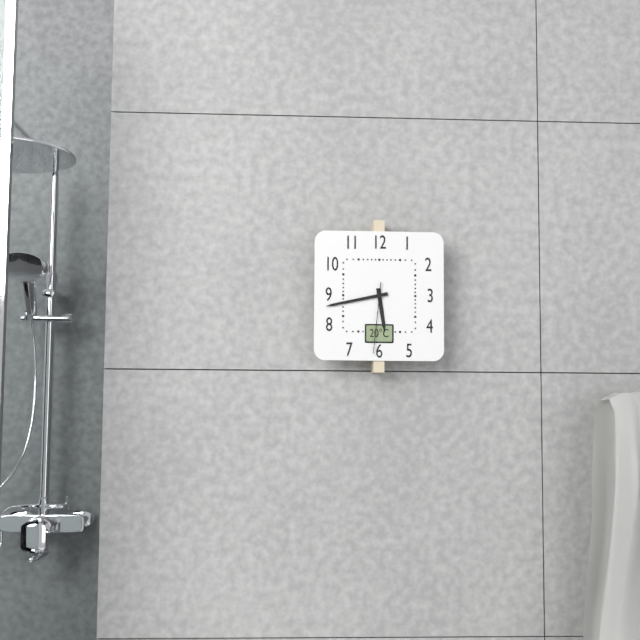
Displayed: 5h43m31s
